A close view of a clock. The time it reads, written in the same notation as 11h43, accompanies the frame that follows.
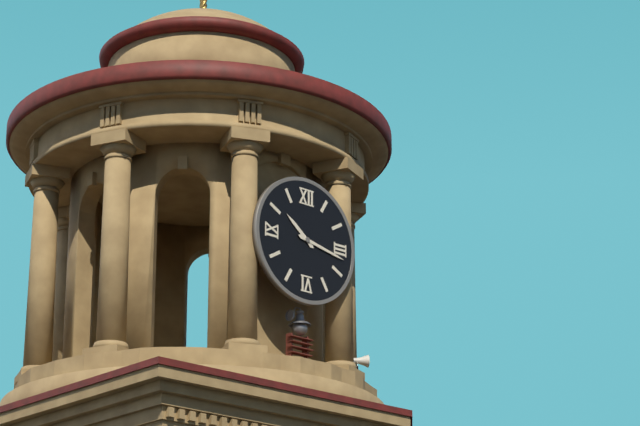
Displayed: 10h17
